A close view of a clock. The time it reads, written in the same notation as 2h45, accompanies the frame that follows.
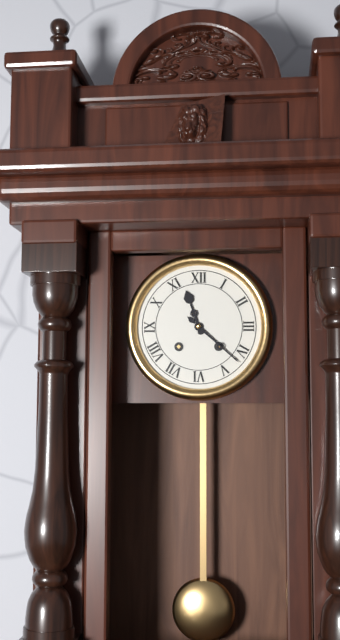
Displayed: 11h22
